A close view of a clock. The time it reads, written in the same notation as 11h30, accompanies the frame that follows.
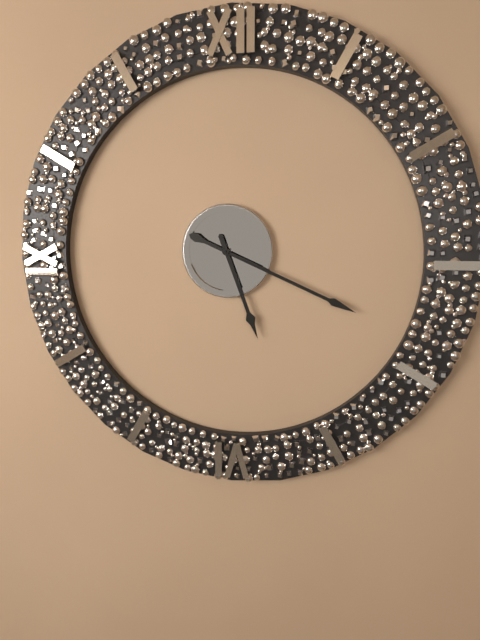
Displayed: 5h19
